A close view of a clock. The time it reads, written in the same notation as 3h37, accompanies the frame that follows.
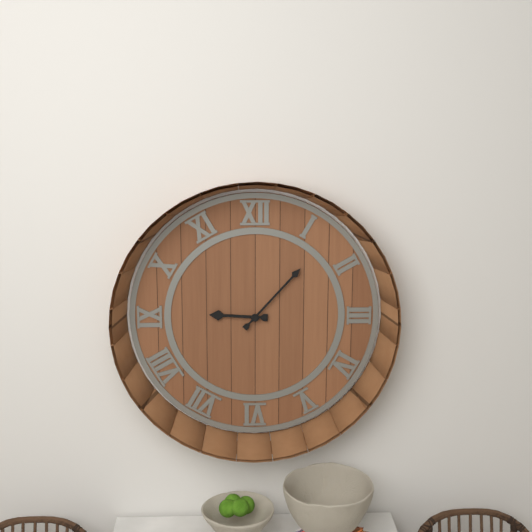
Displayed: 9h07
